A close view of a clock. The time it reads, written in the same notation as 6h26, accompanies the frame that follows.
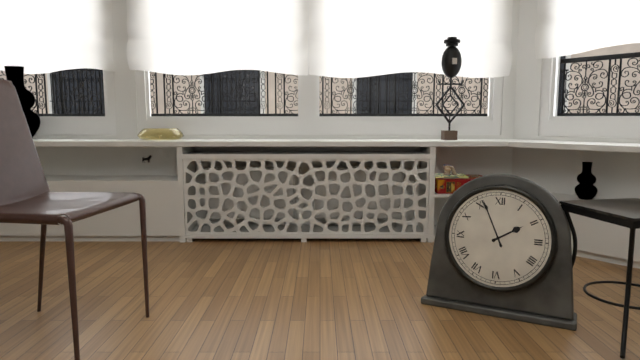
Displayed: 1h56
